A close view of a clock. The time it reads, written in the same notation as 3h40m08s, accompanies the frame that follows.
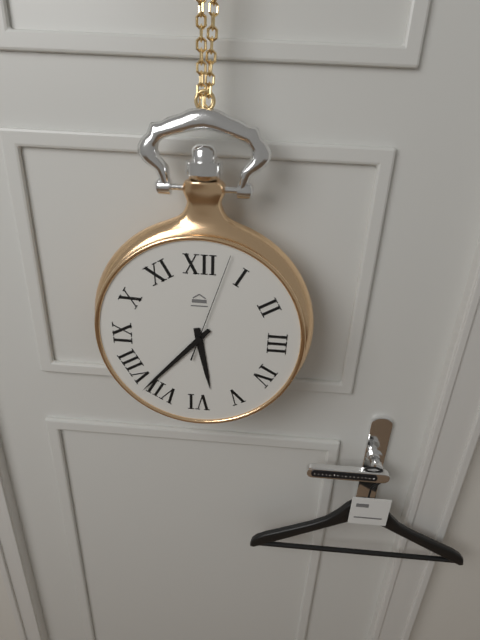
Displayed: 5h37m03s
